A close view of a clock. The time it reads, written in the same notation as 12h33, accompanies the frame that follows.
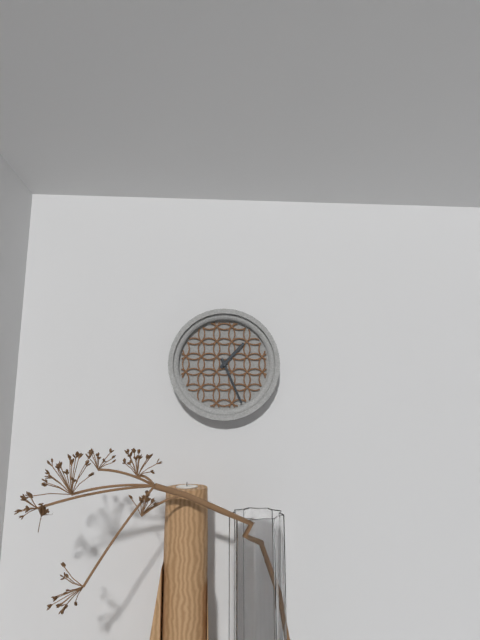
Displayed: 1h26
